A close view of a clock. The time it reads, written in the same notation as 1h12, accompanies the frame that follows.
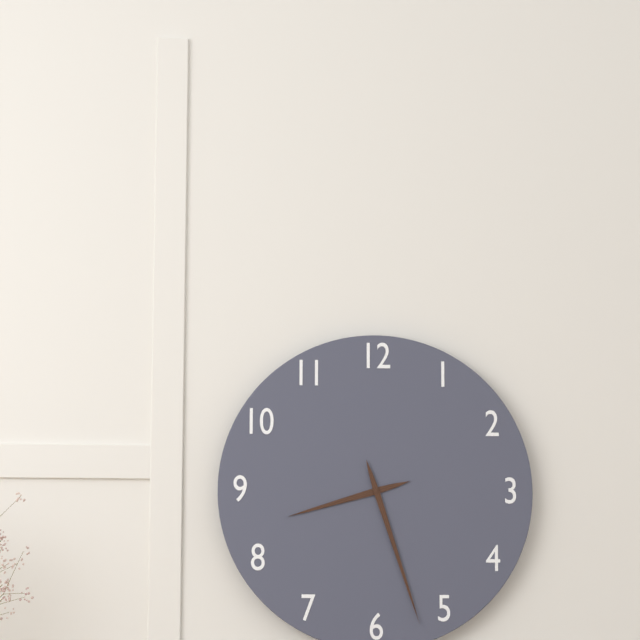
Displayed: 8h27
